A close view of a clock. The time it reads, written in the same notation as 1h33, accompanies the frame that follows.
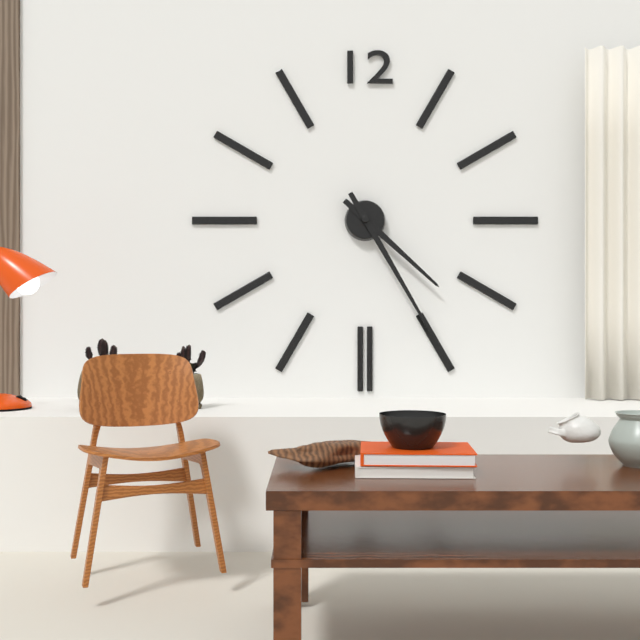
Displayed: 4h25
